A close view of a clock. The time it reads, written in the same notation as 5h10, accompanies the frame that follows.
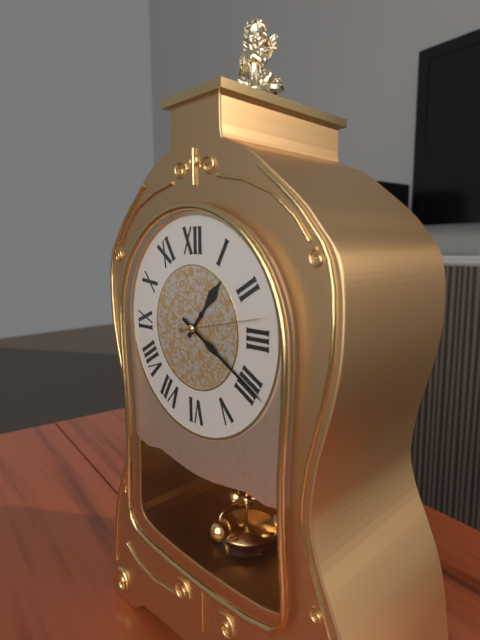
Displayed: 1h20
